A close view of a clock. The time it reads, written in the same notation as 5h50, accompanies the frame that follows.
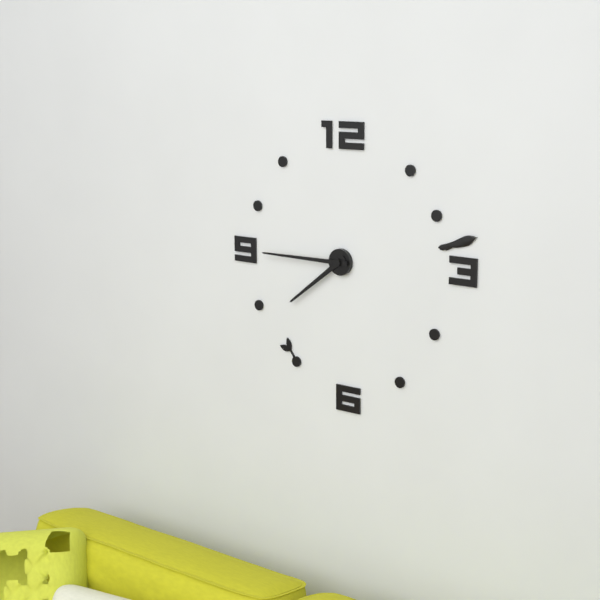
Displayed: 7h45
